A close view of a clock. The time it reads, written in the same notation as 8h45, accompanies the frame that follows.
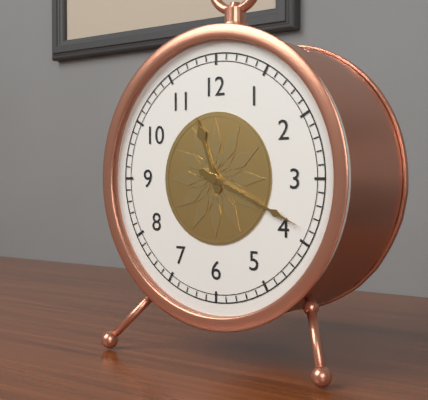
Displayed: 11h19
